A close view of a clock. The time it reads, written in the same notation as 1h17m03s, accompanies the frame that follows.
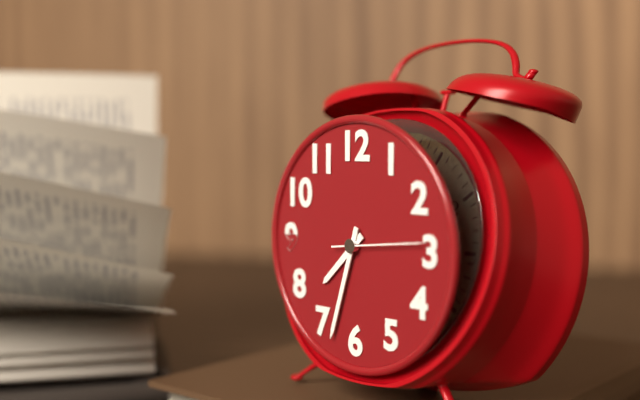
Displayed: 7h33m14s
